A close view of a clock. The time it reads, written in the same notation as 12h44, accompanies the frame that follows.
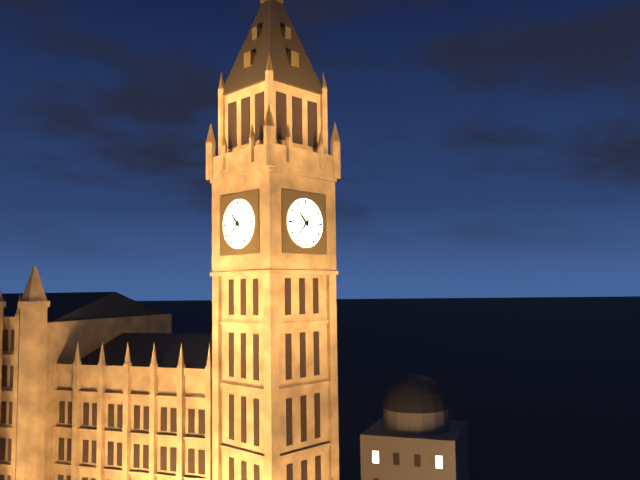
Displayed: 10h37
